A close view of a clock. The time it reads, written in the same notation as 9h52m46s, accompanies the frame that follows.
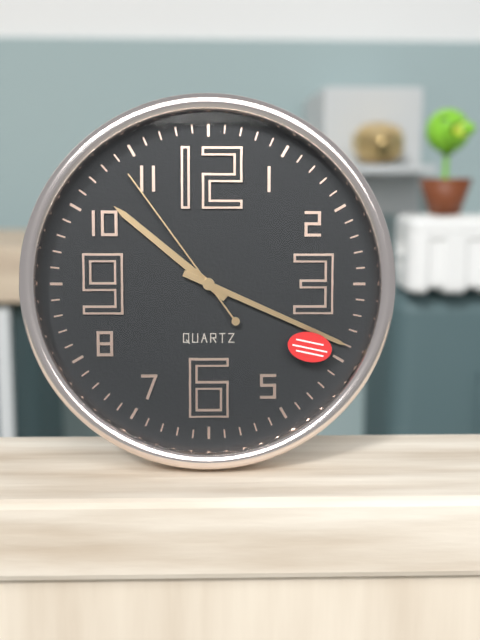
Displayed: 10h19m54s
